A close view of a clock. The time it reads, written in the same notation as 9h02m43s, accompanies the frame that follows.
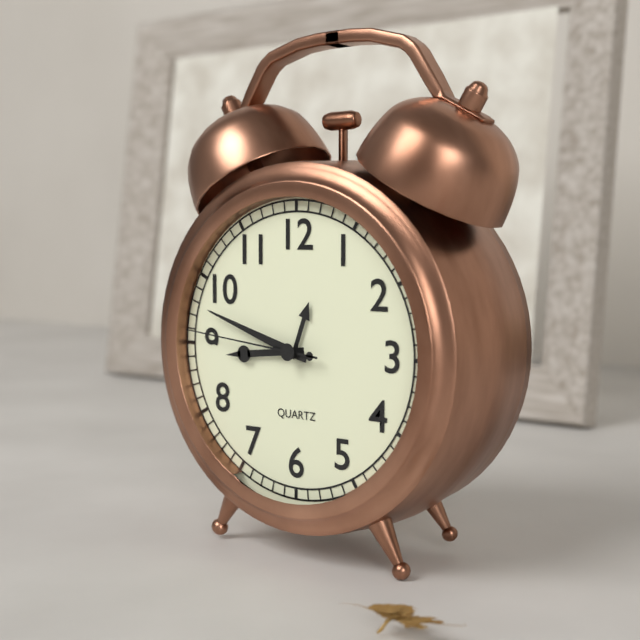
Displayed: 8h48m46s
